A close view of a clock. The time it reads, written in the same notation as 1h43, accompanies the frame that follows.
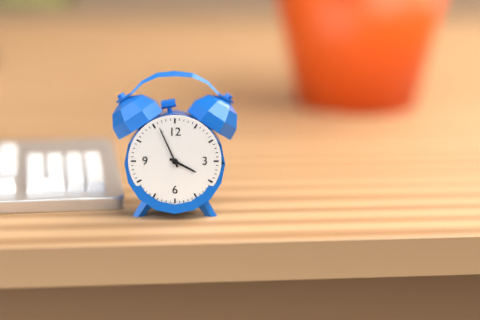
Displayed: 3h56
